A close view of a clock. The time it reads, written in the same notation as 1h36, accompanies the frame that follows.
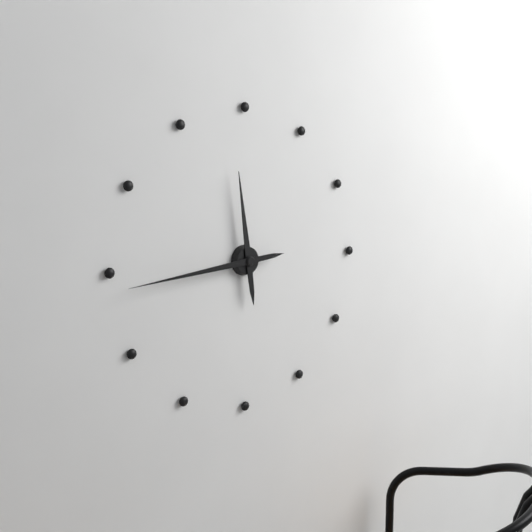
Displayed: 11h44
